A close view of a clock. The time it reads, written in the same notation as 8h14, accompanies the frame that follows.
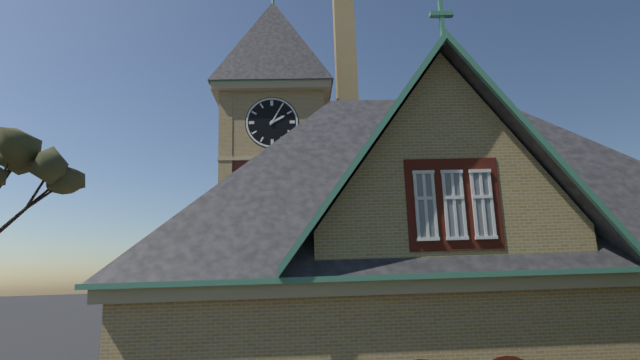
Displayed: 2h05
